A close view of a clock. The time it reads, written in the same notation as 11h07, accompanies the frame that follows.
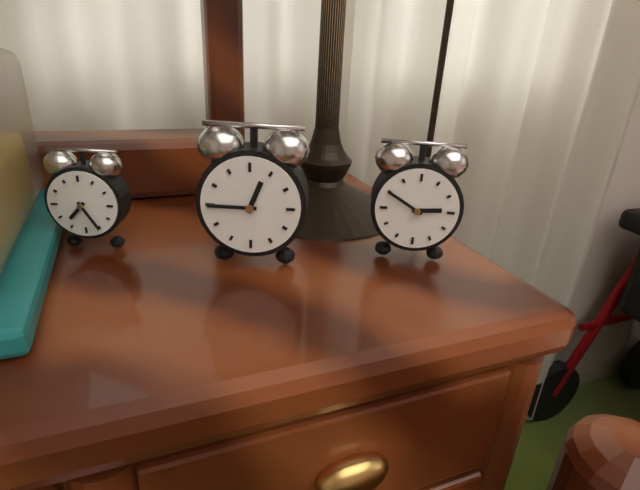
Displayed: 12h45
